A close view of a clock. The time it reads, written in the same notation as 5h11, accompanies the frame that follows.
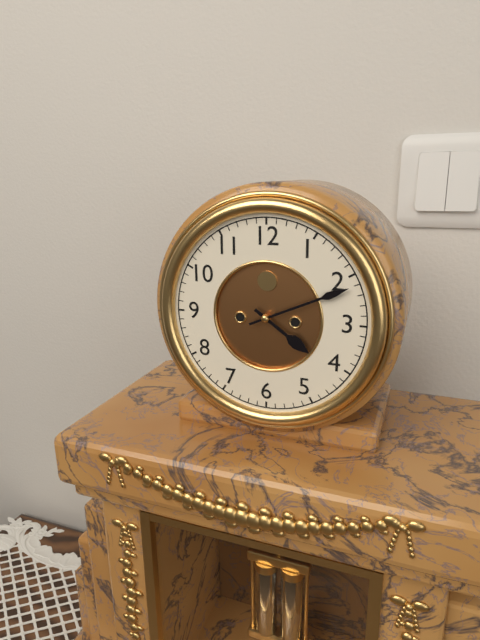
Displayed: 4h11
